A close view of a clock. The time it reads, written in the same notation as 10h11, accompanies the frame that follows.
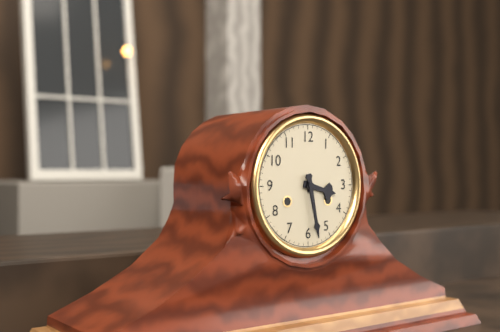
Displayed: 3h28
